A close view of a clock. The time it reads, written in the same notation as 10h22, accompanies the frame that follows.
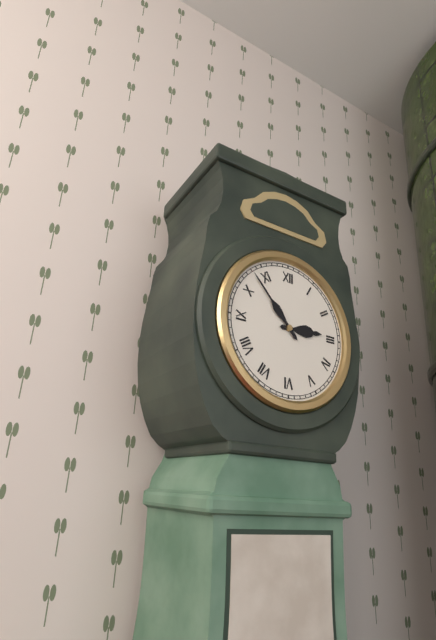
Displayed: 2h53
